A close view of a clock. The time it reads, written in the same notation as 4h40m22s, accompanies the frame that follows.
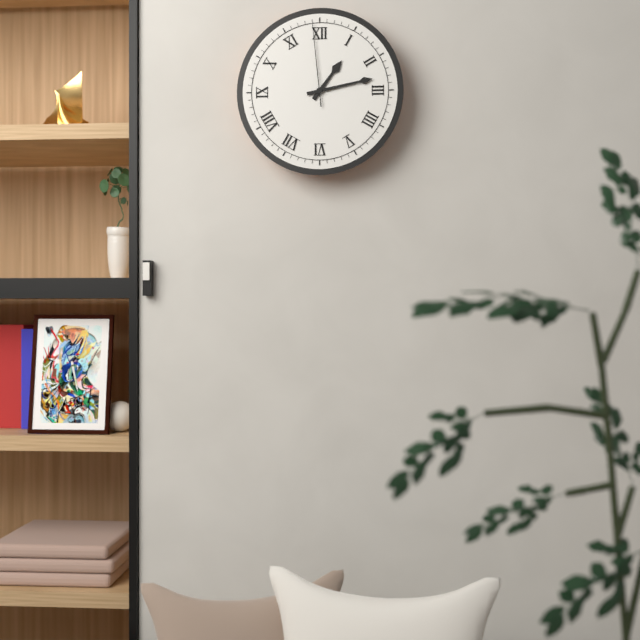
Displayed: 1h13m59s
